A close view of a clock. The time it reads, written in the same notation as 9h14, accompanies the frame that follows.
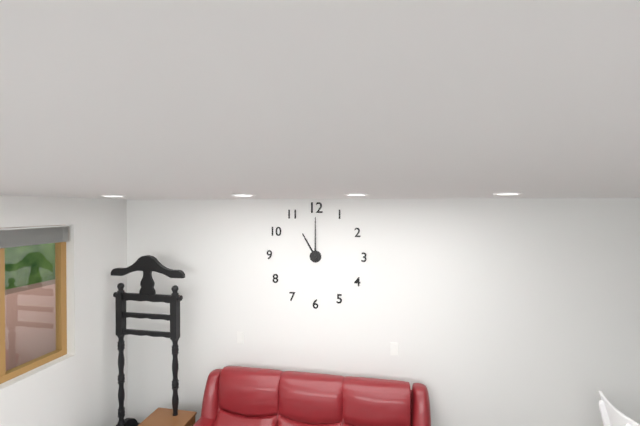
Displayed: 11h00
